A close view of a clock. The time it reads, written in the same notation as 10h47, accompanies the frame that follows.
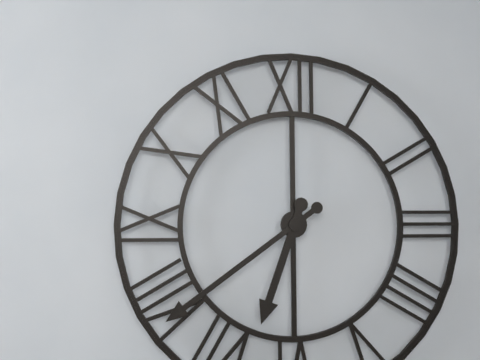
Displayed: 6h39
